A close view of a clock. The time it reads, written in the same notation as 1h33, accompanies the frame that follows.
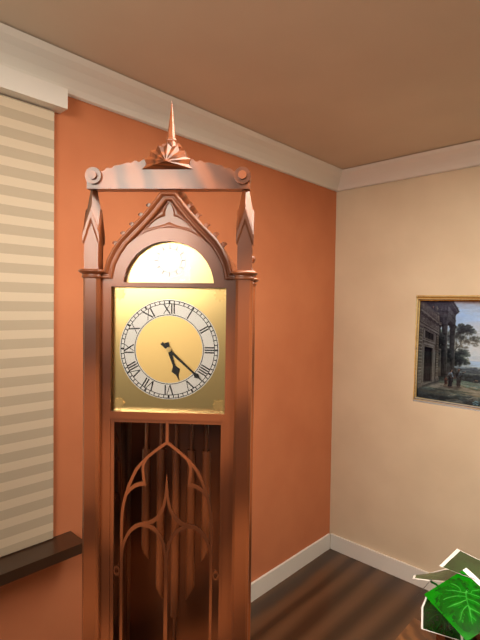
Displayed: 5h22
